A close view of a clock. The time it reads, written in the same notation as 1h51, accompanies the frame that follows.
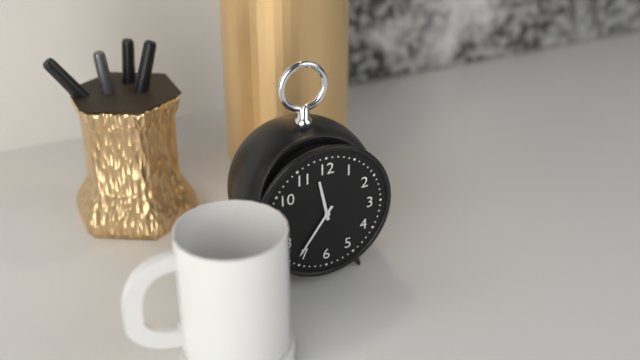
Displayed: 11h36
